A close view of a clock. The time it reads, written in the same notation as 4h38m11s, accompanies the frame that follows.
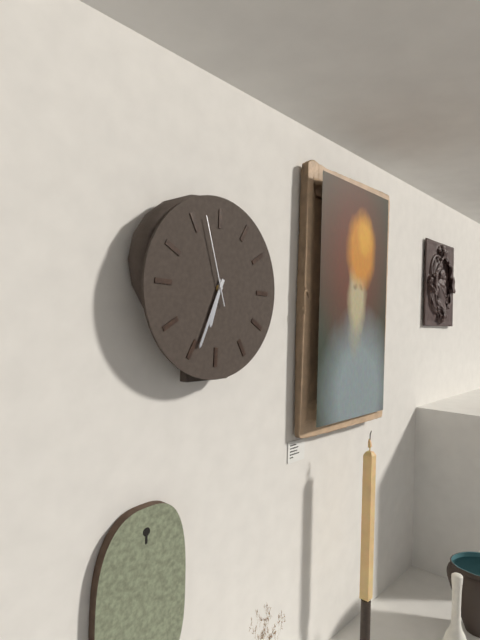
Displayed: 6h34m57s
